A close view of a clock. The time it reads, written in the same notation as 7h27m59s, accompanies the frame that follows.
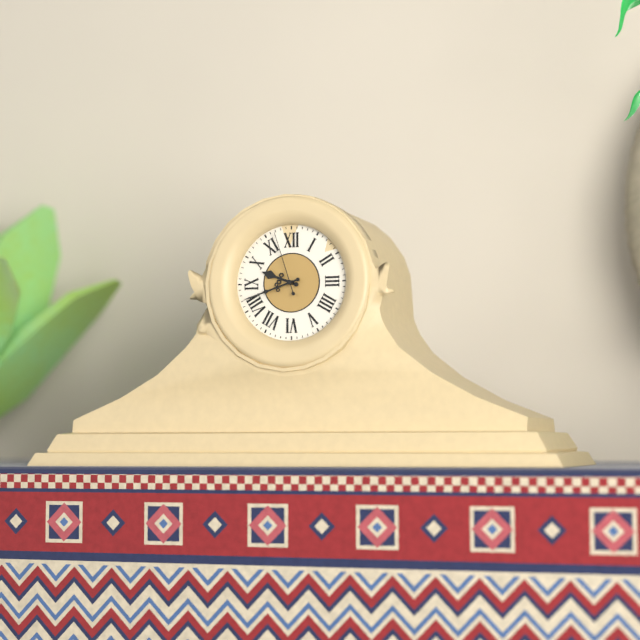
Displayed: 9h42m57s
